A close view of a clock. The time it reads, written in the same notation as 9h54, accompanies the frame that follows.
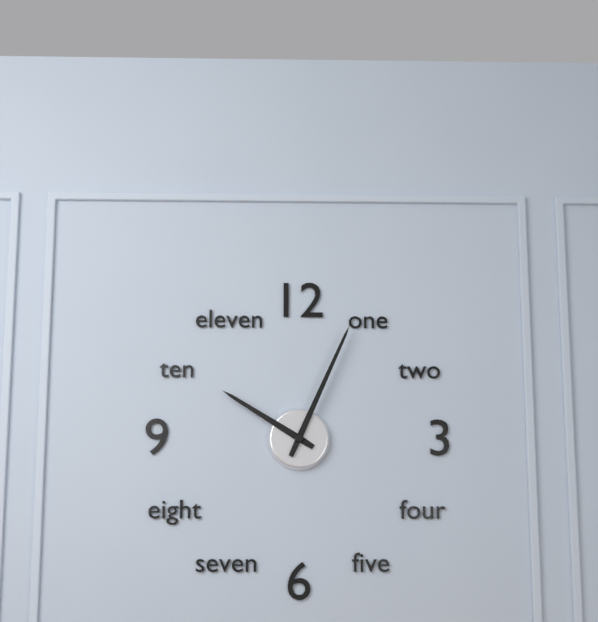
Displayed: 10h04
